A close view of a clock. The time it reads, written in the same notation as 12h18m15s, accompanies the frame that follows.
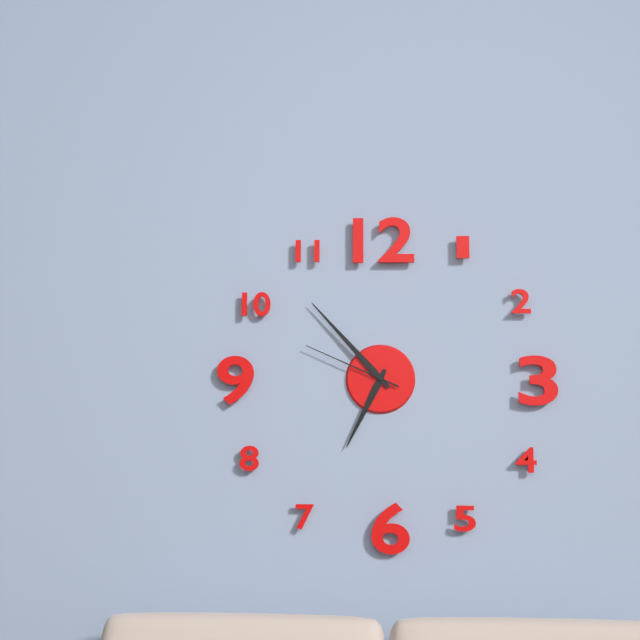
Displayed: 6h53m49s
